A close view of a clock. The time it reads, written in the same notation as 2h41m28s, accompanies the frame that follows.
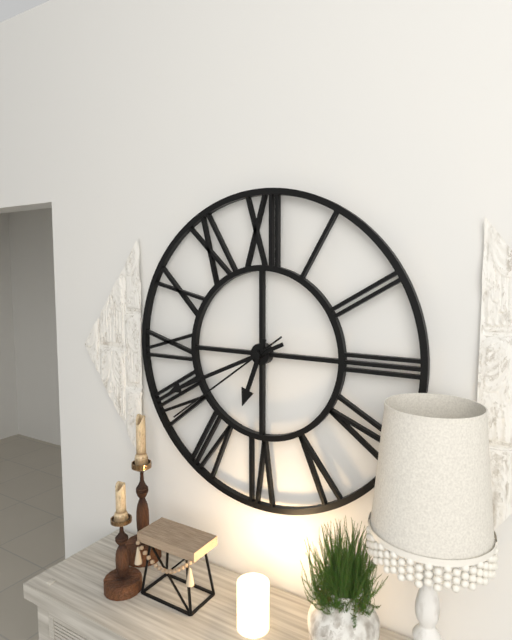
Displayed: 6h41m39s
